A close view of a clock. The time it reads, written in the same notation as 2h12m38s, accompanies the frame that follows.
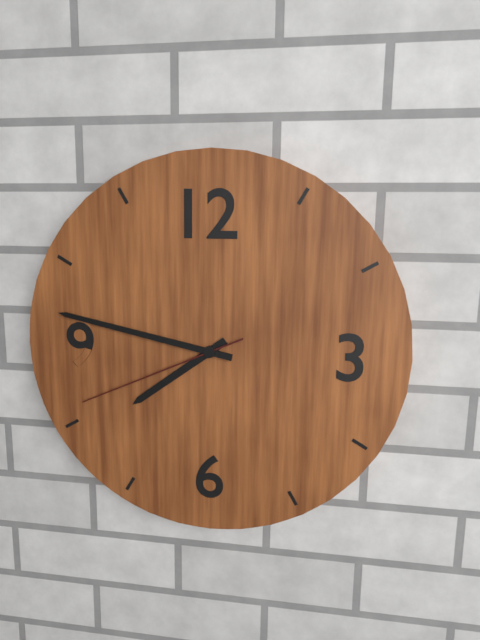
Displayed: 7h47m41s
